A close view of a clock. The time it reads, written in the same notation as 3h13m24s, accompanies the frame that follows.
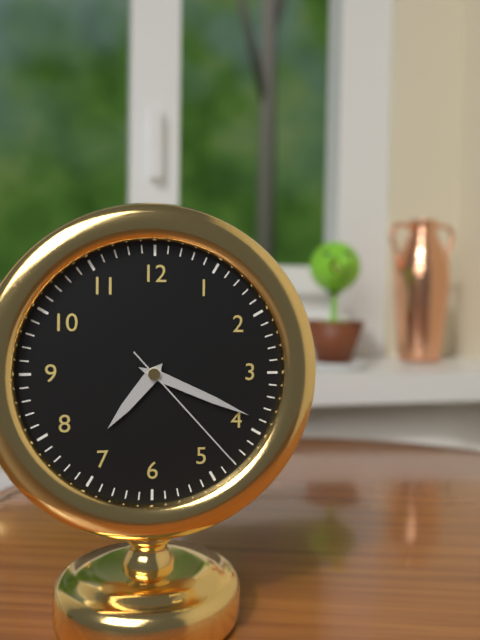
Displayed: 7h19m23s
